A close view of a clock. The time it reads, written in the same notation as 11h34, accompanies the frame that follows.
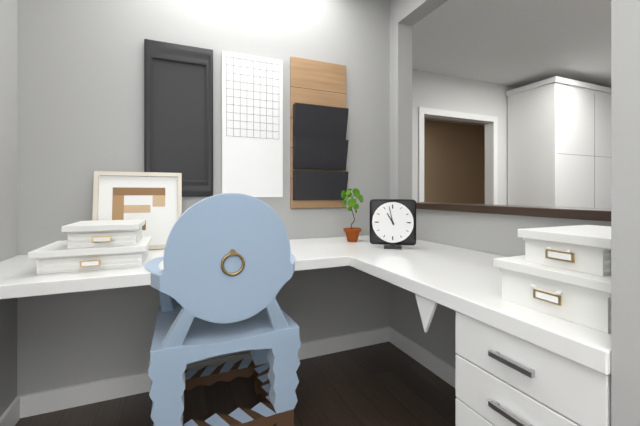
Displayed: 10h58
